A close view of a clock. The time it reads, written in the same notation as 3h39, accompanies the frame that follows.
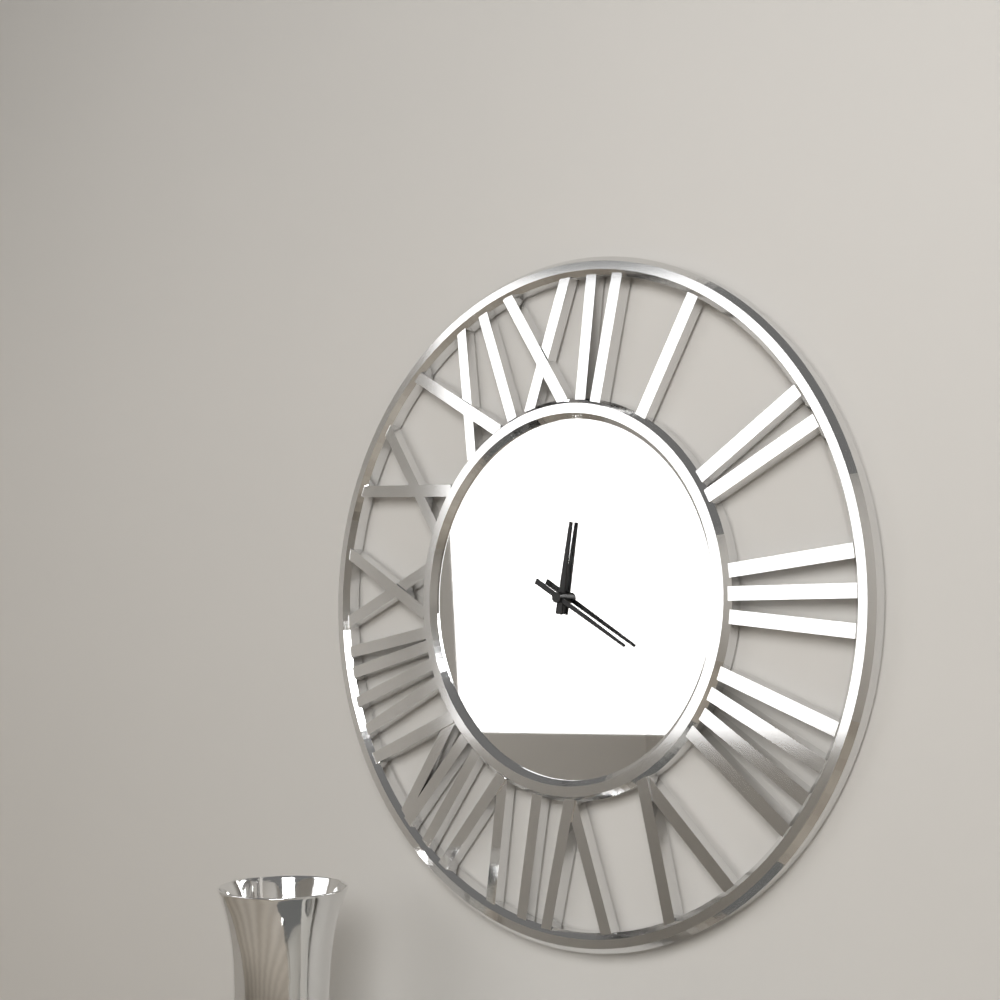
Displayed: 12h20
